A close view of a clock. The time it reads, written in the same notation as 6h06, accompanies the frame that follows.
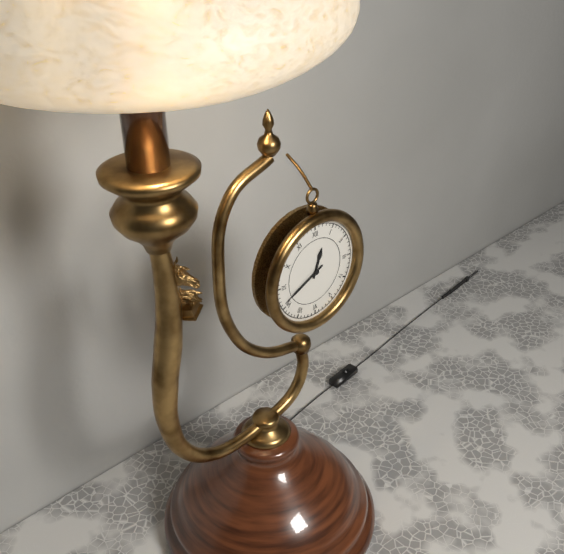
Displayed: 12h41
